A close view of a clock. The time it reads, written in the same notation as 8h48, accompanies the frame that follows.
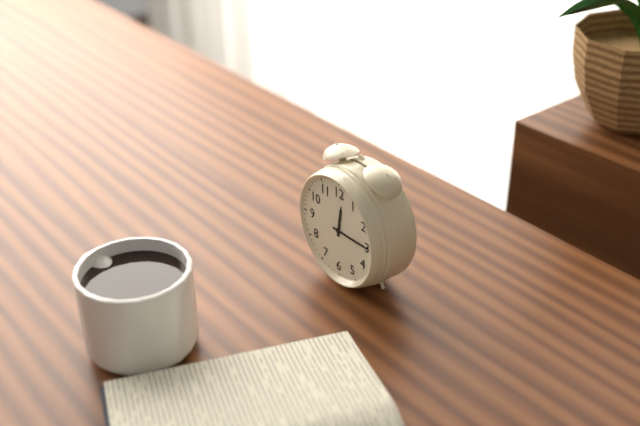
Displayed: 12h15
